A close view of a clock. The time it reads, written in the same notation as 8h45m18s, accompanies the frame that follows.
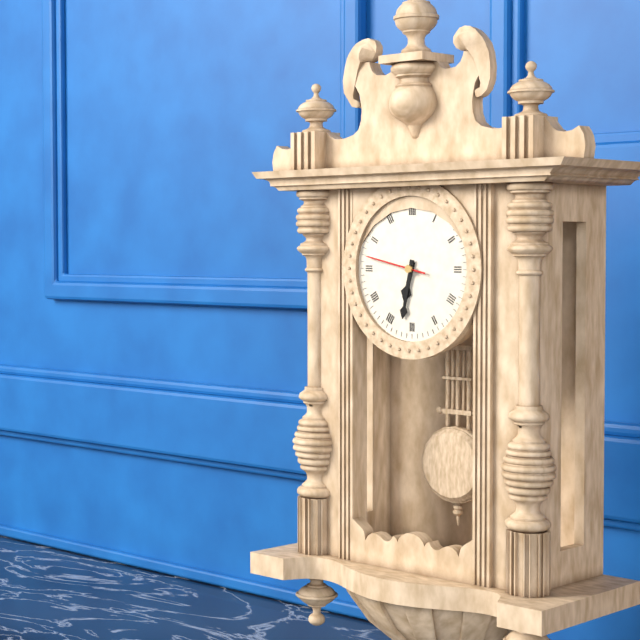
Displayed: 6h32m47s
